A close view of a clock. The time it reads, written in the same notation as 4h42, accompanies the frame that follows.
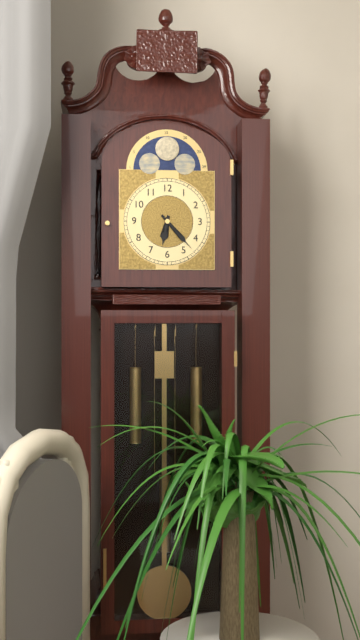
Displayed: 6h23
